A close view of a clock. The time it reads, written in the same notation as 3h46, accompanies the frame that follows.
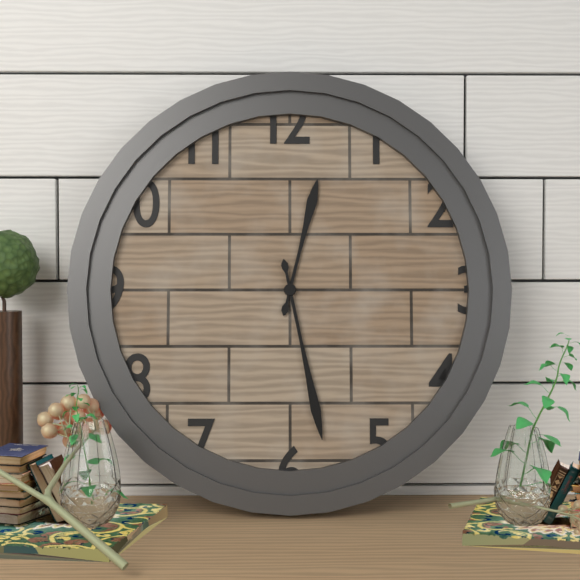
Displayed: 12h28
